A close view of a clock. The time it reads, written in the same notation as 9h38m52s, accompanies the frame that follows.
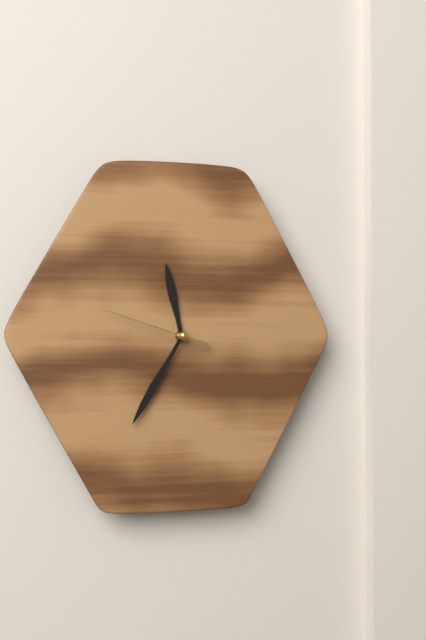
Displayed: 11h35m48s
